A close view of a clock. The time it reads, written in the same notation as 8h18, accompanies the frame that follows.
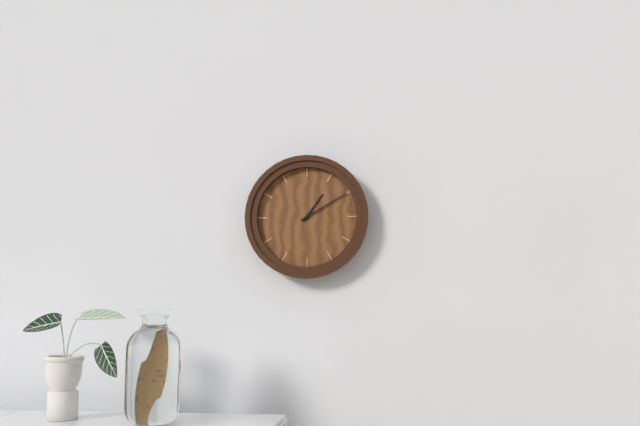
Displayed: 1h10
